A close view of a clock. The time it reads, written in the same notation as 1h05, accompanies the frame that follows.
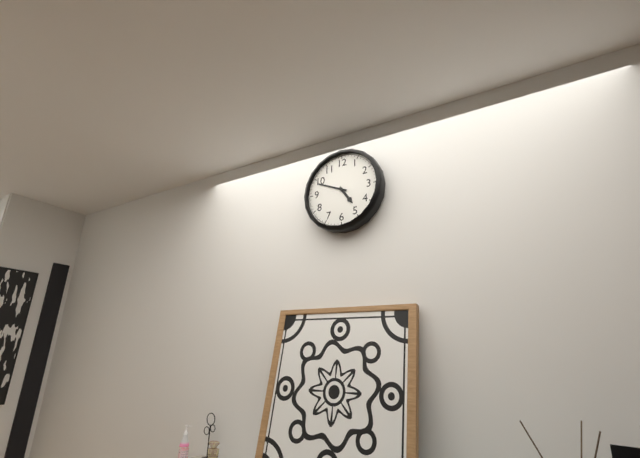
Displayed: 4h49
